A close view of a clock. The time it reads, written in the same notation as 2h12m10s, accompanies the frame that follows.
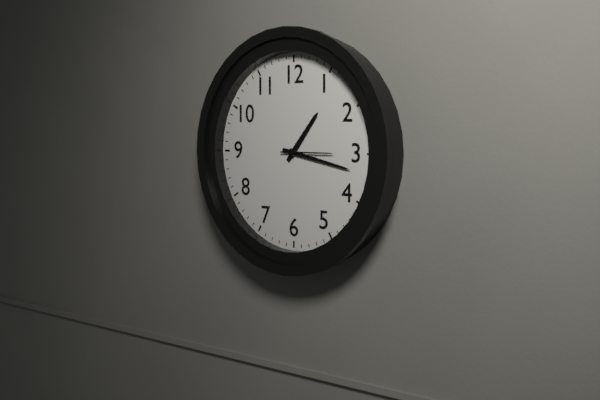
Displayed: 1h17m15s
